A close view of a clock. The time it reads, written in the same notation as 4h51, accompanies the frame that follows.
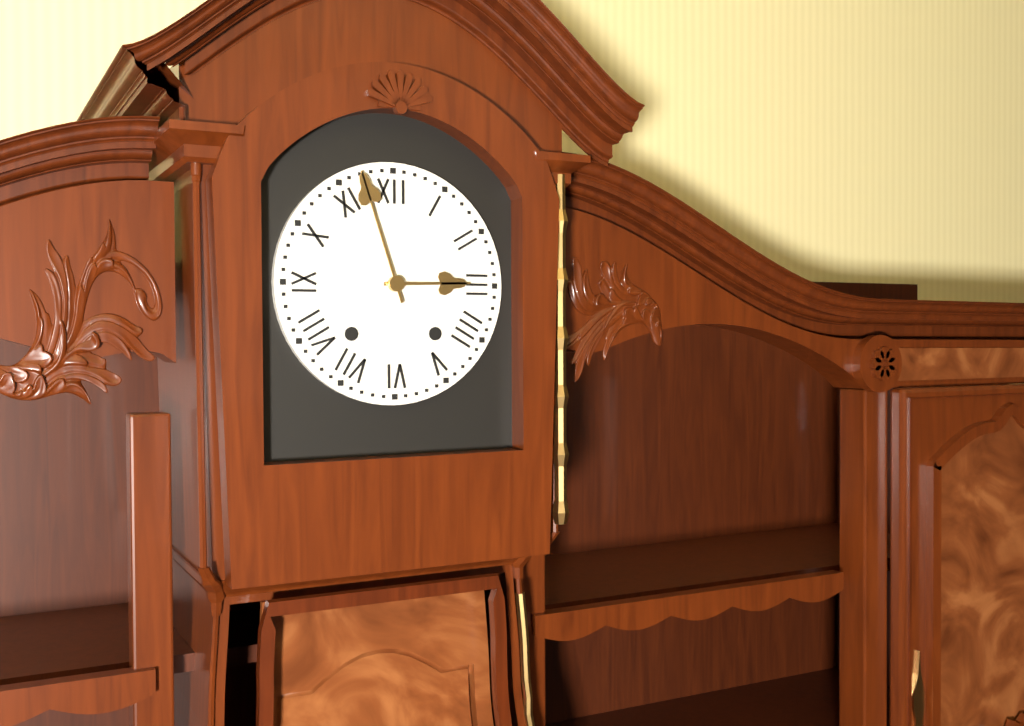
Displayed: 2h57
